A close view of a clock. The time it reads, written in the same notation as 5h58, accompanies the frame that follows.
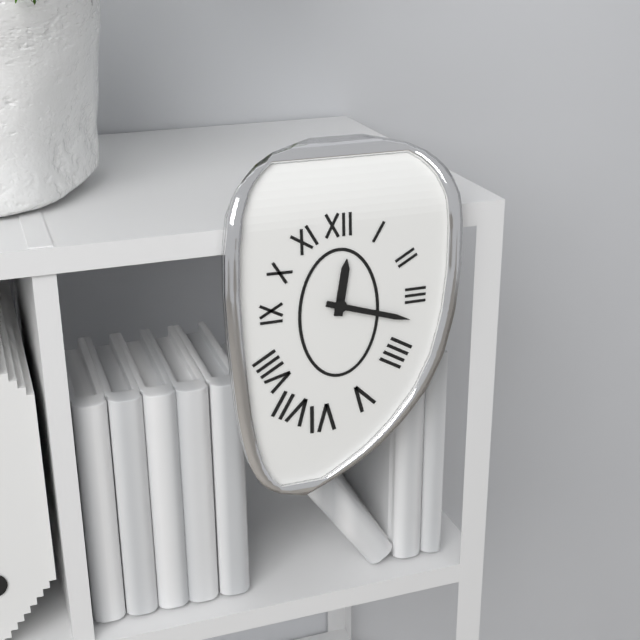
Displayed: 12h18
